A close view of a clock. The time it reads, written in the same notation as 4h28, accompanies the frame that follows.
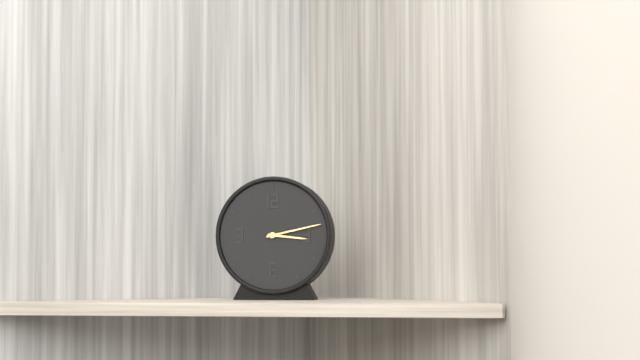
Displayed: 3h13
